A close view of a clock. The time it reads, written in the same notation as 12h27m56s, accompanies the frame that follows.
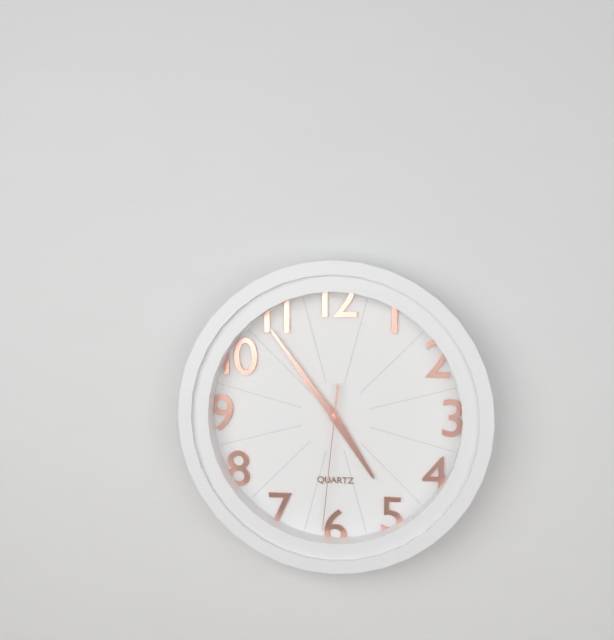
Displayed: 4h54m31s
